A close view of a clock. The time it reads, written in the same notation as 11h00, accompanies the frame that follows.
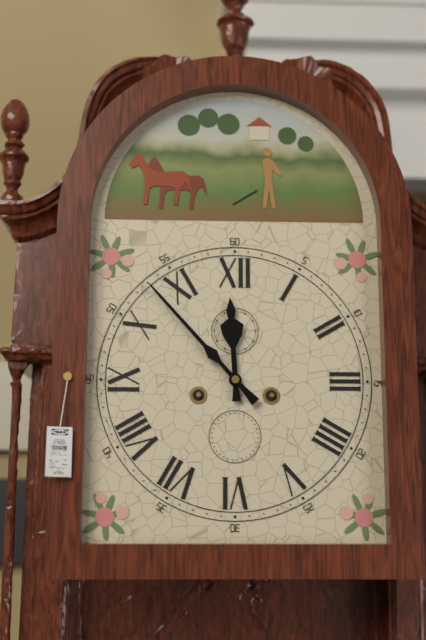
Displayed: 11h53
